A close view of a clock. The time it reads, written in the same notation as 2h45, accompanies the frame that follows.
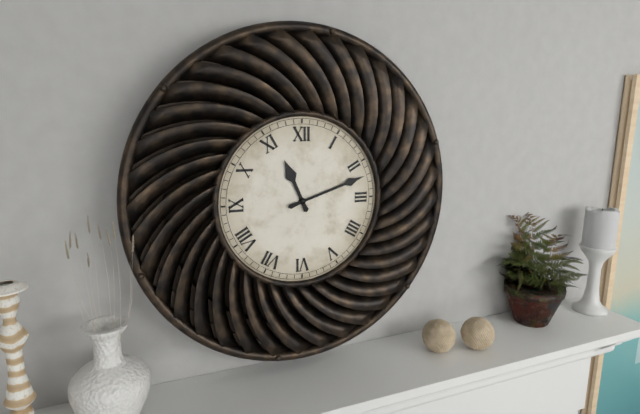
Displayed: 11h12
